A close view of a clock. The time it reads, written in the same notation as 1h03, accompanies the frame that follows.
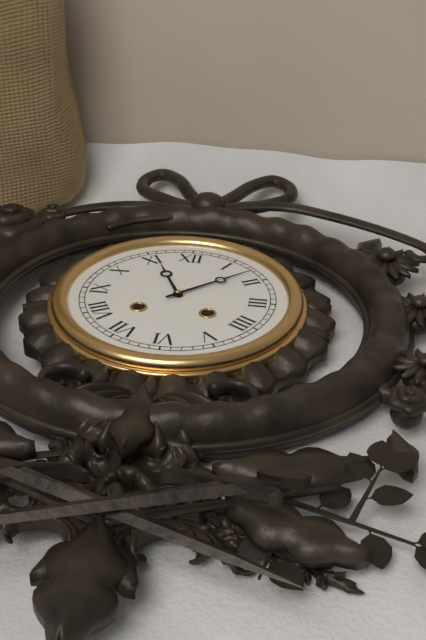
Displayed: 11h08
